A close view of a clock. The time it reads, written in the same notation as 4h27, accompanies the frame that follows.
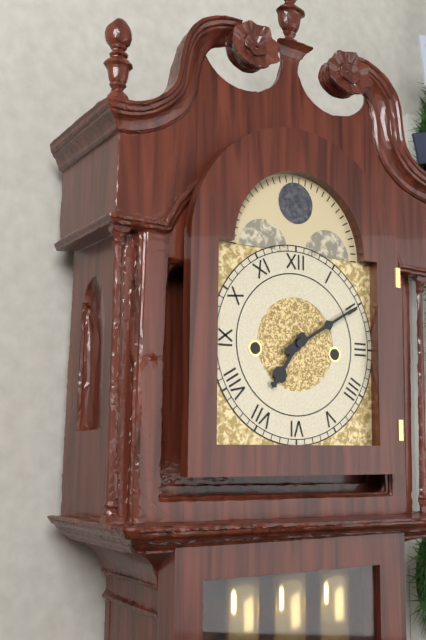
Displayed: 7h10
